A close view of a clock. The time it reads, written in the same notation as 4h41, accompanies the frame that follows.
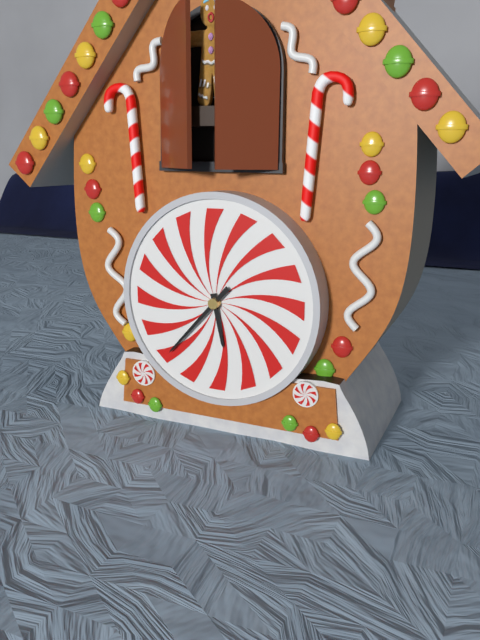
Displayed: 5h37
